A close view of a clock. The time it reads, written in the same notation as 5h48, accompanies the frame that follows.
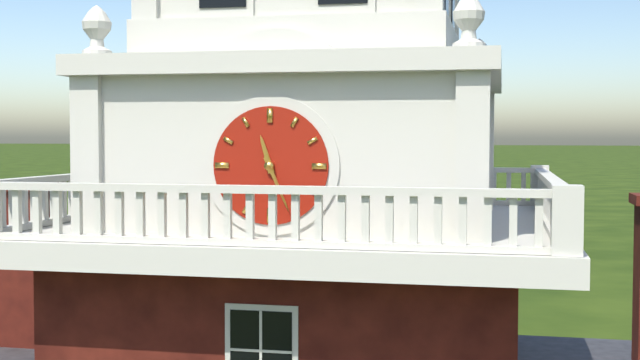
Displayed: 11h26
